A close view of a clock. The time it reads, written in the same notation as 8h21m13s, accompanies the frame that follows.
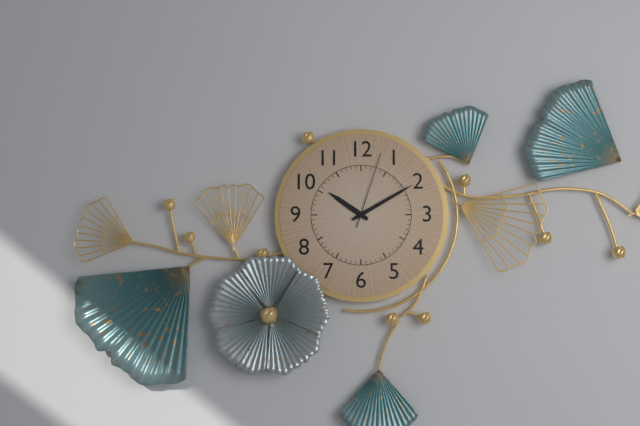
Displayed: 10h10m03s
